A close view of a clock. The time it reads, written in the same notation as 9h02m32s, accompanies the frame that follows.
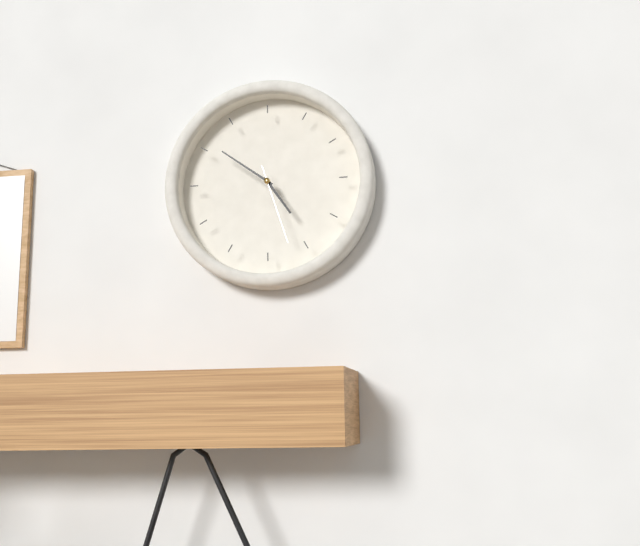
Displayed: 4h51m27s
